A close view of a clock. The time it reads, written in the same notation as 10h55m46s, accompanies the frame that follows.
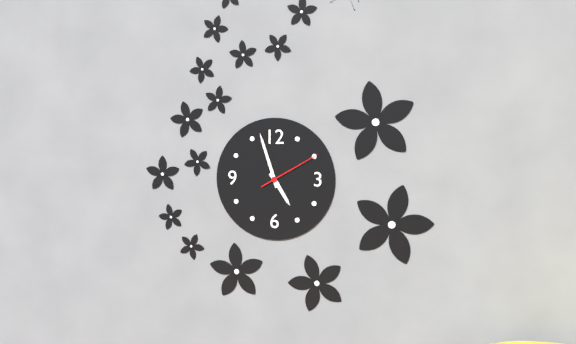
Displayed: 4h57m10s
